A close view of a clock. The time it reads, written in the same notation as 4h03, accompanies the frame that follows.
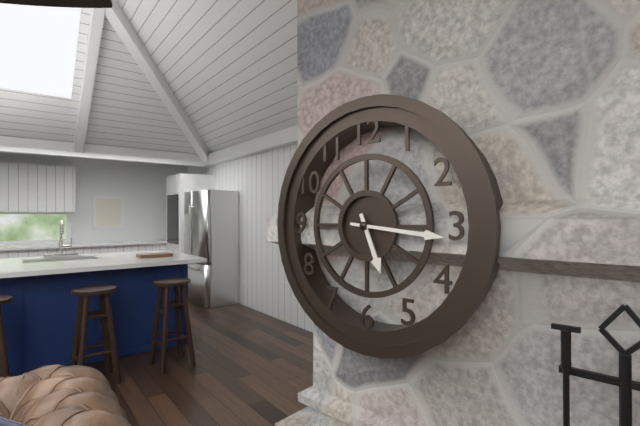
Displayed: 5h16
